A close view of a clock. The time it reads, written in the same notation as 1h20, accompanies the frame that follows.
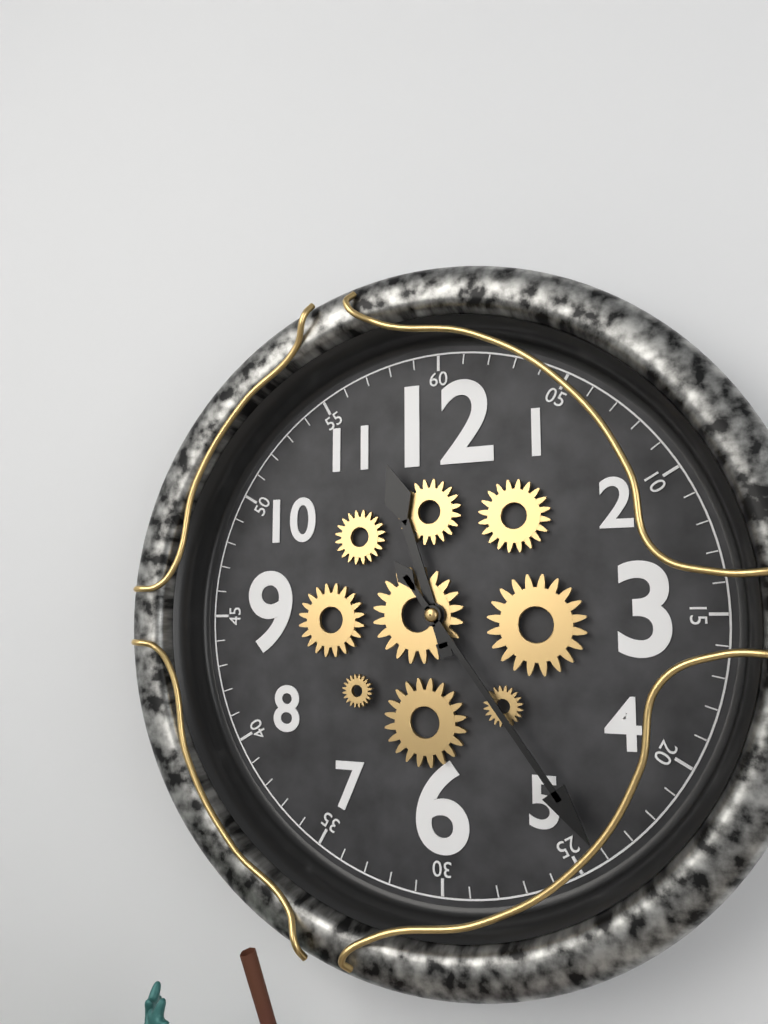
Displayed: 11h24
